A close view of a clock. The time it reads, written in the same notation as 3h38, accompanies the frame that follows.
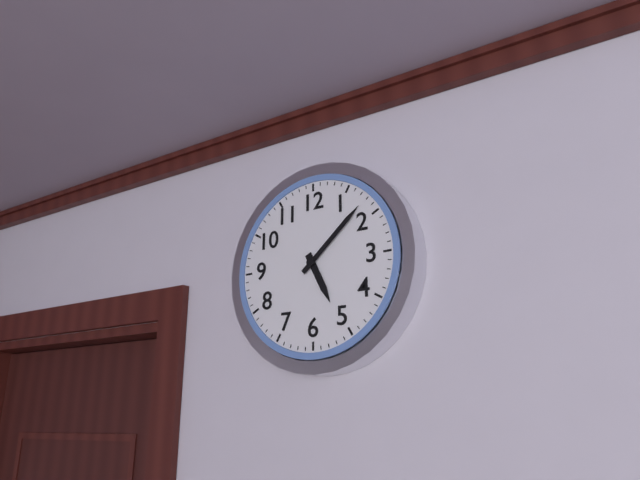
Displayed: 5h08
